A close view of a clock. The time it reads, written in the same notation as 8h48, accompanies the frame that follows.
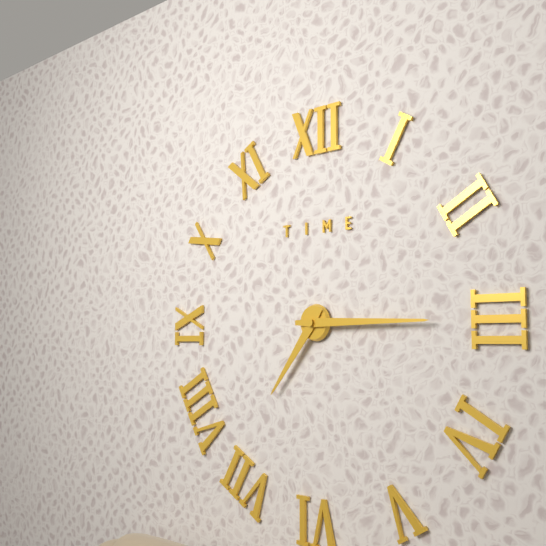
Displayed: 7h15
